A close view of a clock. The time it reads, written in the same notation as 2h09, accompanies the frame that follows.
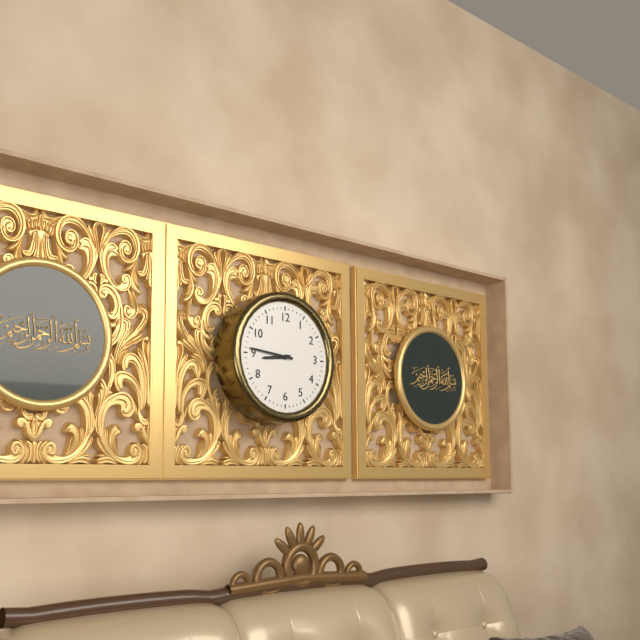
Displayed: 8h46
